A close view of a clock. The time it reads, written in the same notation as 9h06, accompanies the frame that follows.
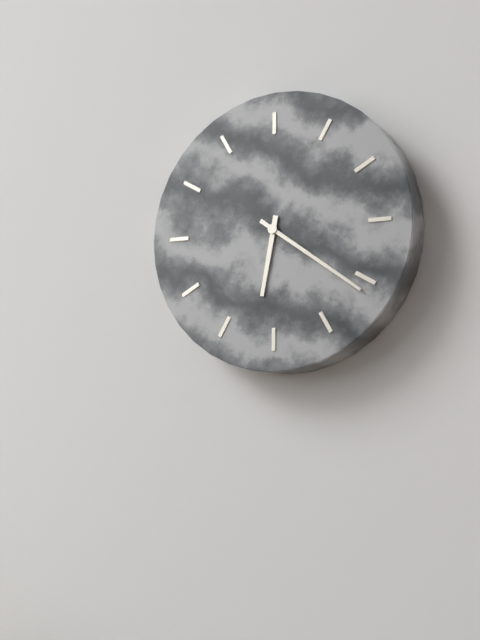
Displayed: 6h21
